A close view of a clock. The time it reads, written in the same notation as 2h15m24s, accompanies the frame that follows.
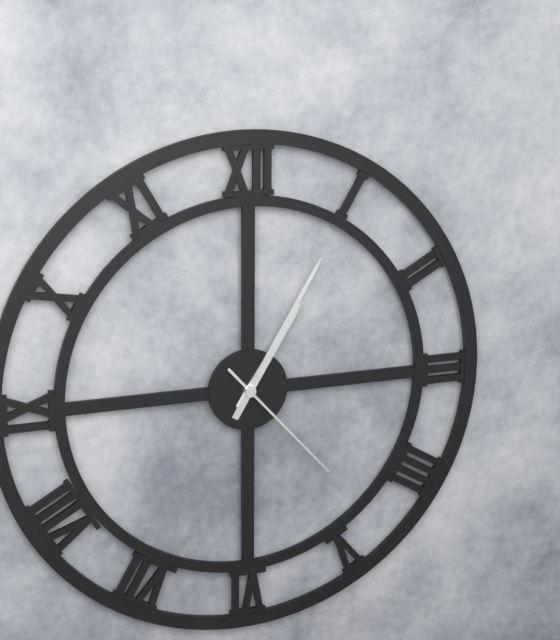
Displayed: 1h05m23s
